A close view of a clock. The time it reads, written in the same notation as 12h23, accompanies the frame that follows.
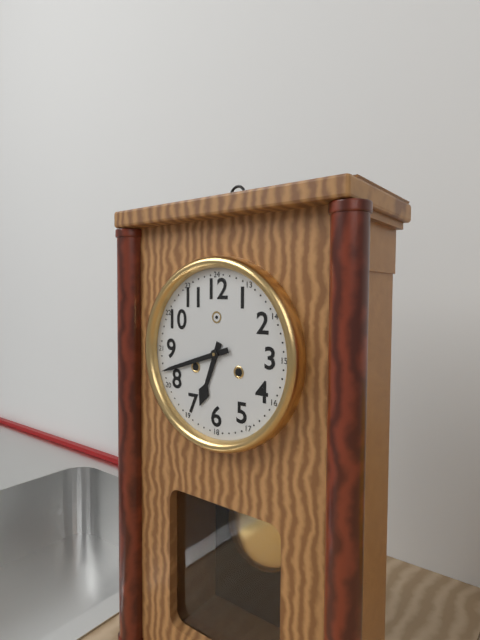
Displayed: 6h42
